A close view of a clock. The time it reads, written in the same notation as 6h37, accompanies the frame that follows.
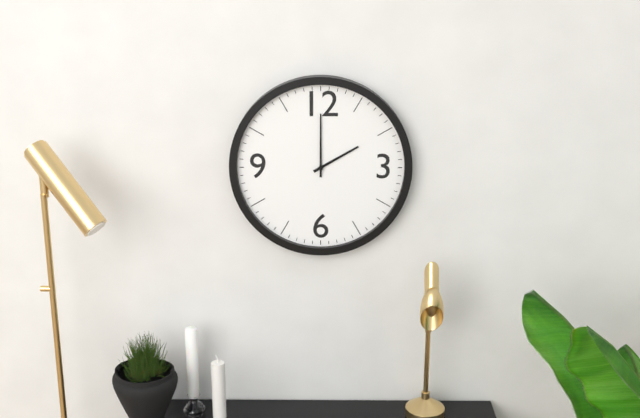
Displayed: 2h00
